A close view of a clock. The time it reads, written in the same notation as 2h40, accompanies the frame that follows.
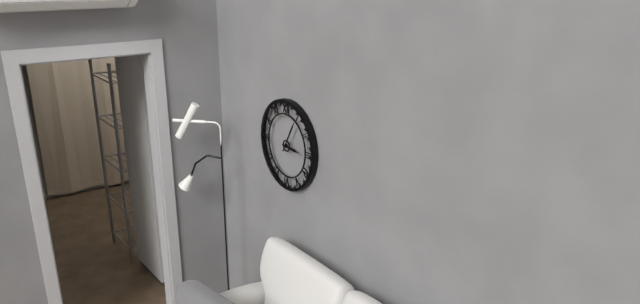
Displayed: 3h05
